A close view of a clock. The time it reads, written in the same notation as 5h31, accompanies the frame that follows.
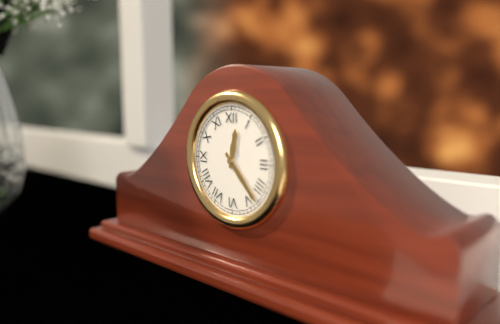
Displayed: 12h23
